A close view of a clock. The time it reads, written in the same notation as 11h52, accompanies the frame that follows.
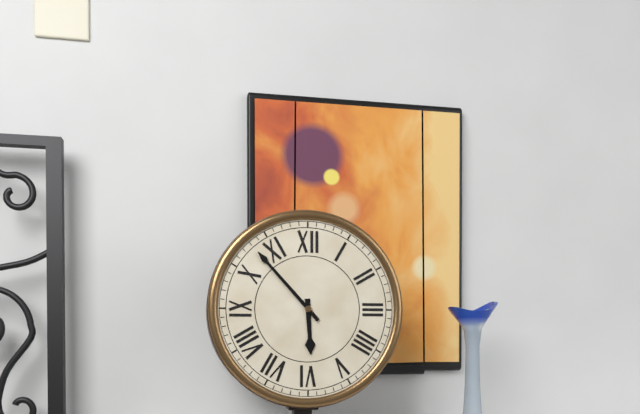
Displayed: 5h53
